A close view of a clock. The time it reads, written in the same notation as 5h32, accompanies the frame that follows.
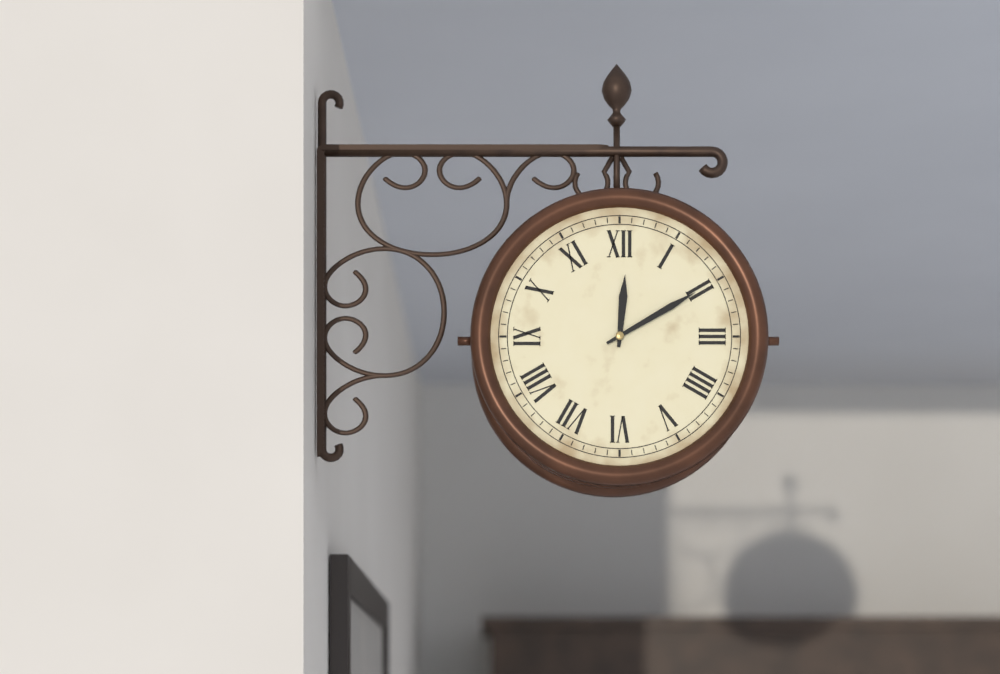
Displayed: 12h10
